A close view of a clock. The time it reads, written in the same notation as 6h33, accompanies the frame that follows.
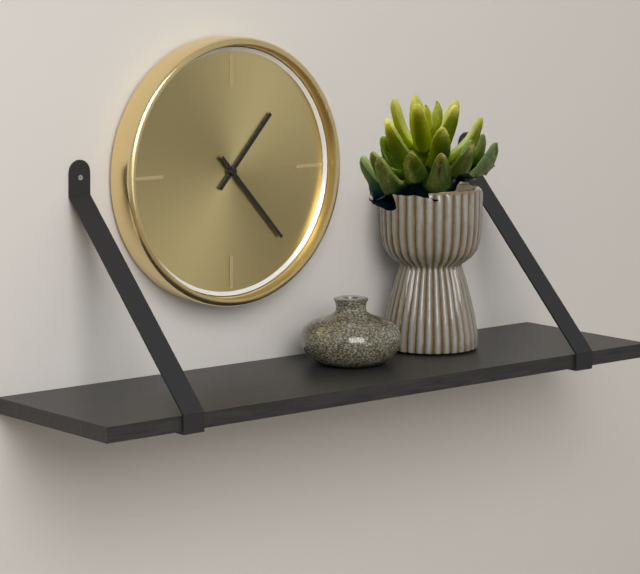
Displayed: 1h23
